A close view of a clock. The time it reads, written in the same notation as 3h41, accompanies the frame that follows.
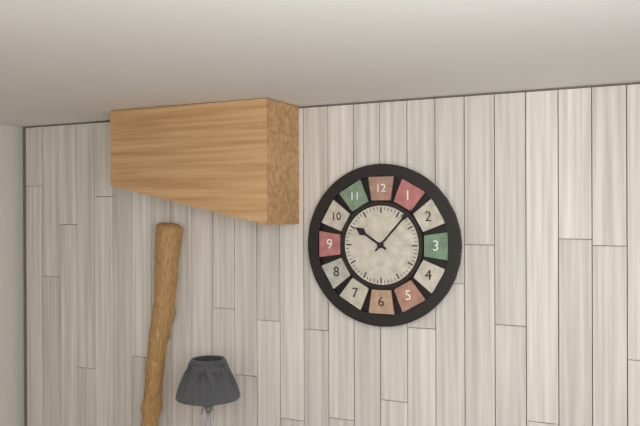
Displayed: 10h07
